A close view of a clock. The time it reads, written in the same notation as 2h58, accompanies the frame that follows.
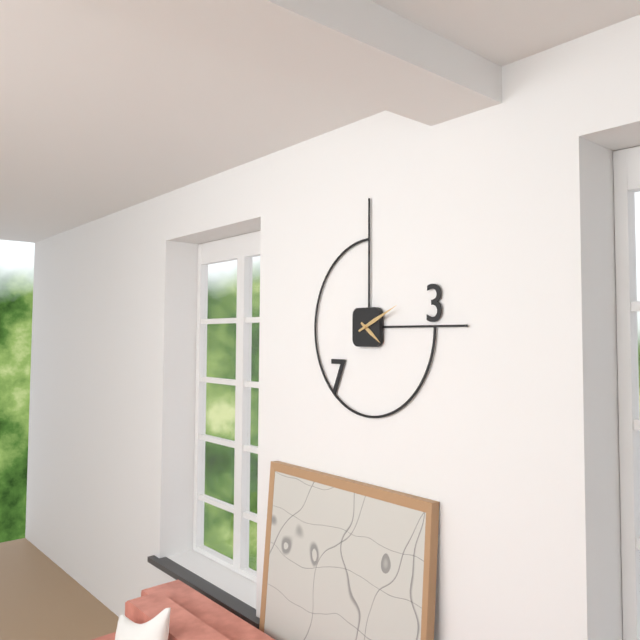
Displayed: 4h11
